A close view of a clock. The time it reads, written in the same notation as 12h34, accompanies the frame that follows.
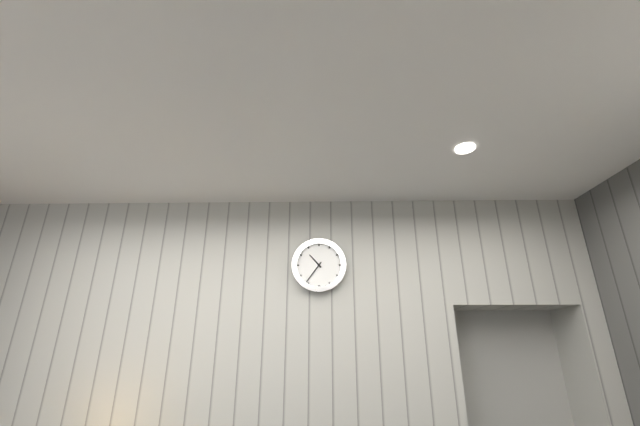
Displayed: 10h36
